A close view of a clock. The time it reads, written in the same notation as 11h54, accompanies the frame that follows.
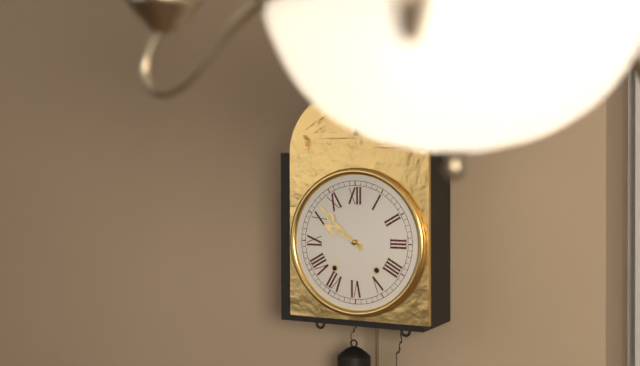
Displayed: 9h52
